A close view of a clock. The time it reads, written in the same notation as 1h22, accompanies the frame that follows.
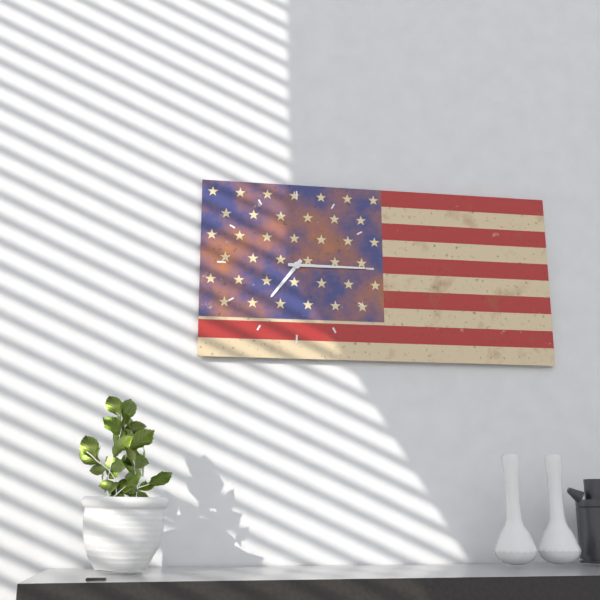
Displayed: 7h15
